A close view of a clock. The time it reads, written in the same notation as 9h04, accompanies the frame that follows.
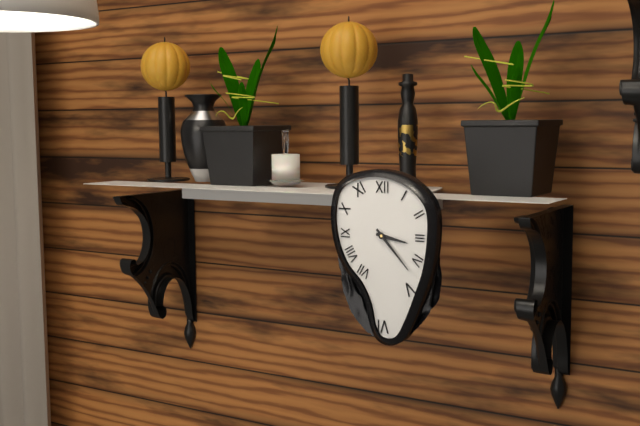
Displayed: 3h23
